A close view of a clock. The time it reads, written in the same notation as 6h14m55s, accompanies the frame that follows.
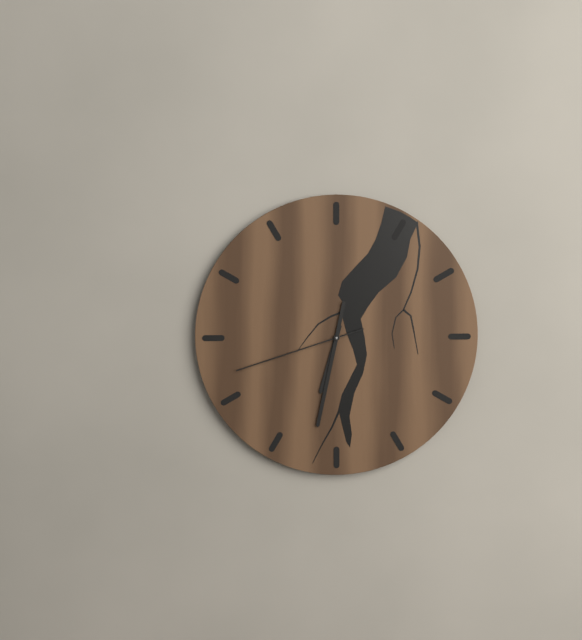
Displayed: 6h32m42s
